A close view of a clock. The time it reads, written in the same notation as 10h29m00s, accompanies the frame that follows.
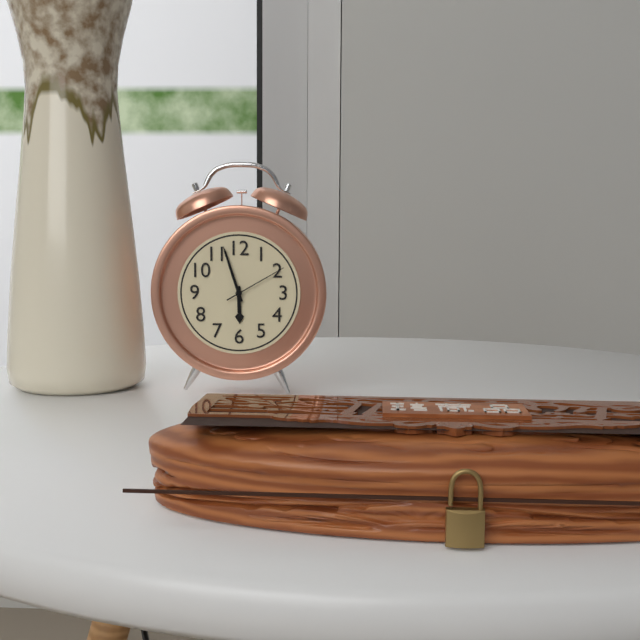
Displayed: 5h57m10s
